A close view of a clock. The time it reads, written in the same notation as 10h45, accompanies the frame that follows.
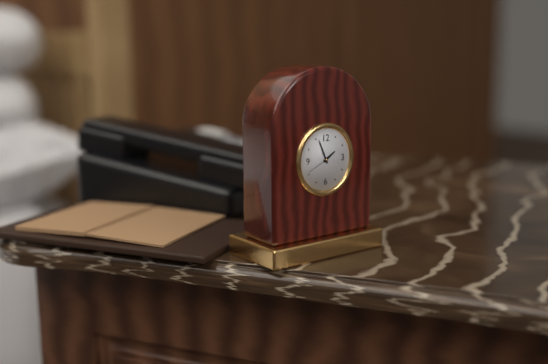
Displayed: 1h56
